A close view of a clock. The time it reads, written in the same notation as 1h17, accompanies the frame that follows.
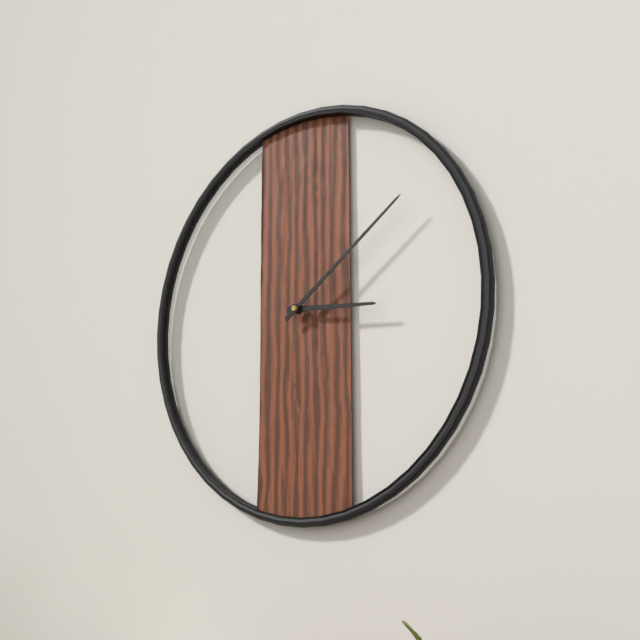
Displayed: 3h09
